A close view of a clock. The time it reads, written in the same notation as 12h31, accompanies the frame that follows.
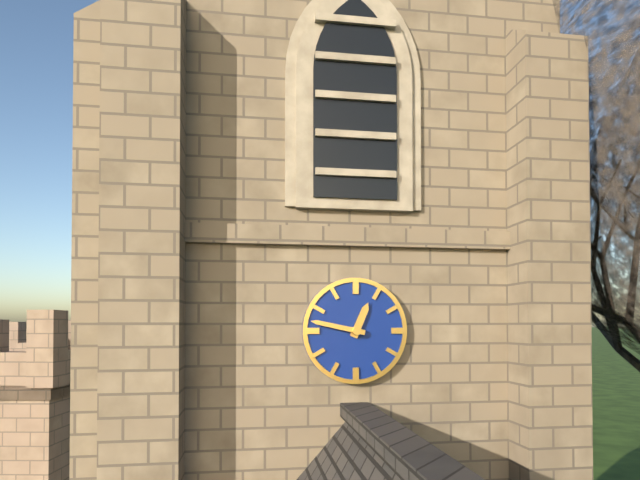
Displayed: 12h47
